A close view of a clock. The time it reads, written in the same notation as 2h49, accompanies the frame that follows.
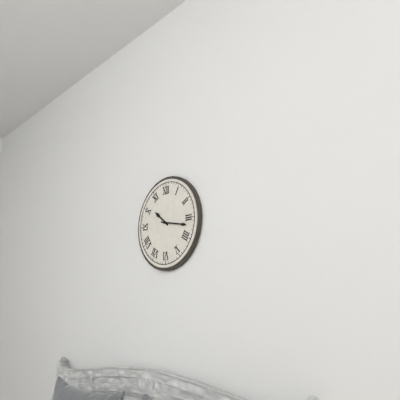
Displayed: 10h17
